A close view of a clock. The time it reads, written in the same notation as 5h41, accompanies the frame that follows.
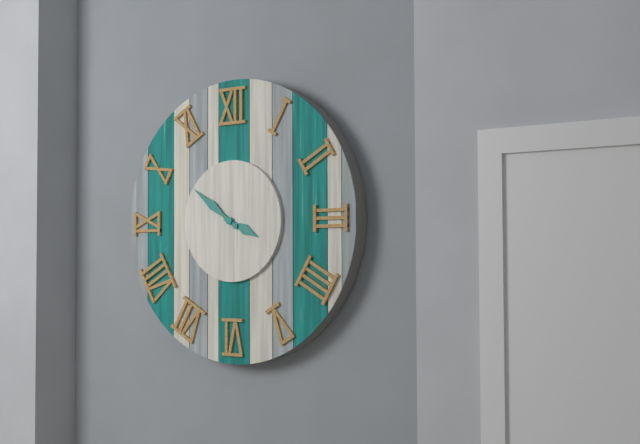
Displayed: 3h51
